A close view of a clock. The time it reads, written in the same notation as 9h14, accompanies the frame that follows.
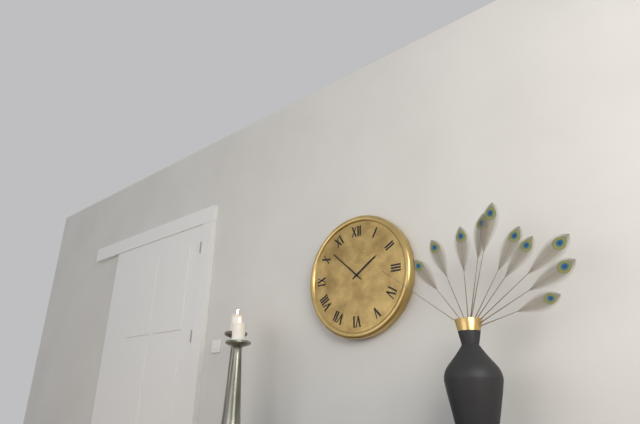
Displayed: 1h52
